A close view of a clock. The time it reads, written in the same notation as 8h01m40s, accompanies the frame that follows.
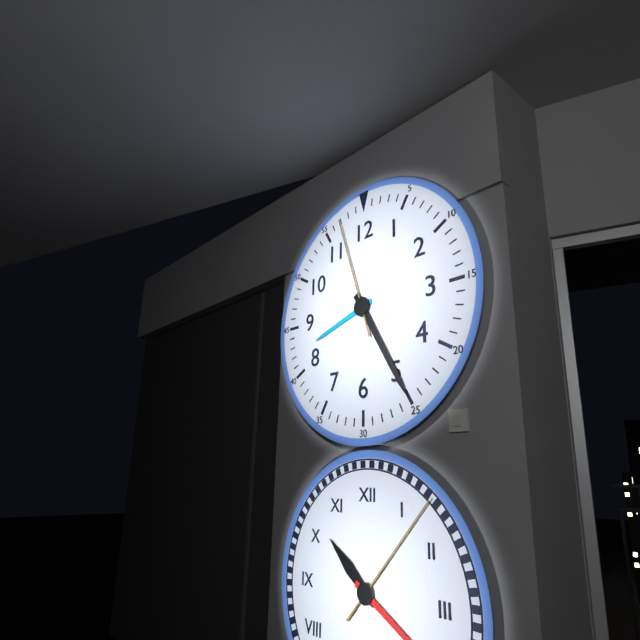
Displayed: 8h25m57s
